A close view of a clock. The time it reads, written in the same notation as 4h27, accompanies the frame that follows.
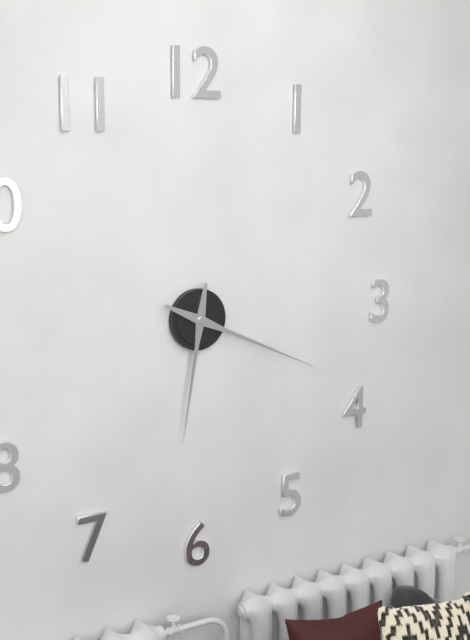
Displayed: 6h19
